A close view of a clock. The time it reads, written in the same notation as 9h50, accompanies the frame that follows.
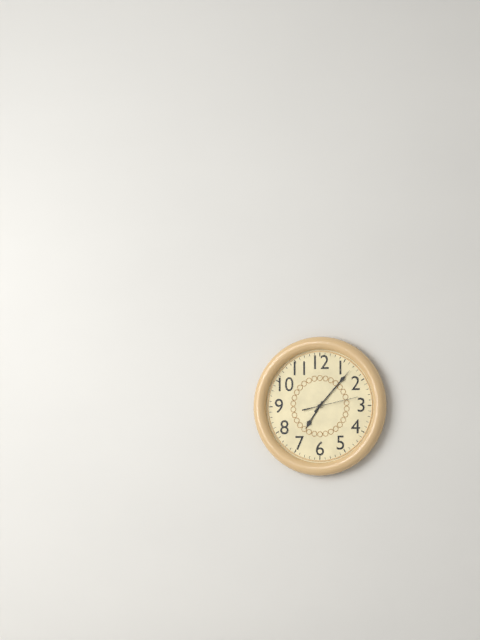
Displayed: 7h07
